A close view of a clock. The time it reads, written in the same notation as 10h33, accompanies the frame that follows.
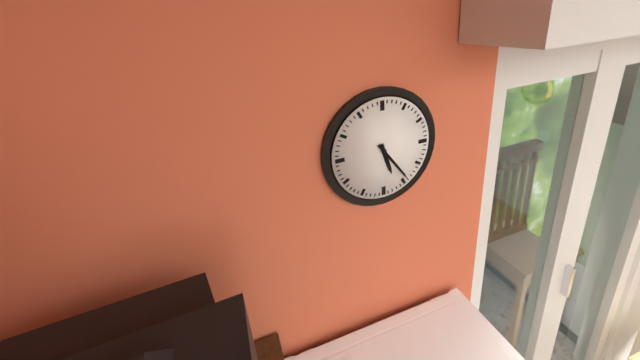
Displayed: 5h24
